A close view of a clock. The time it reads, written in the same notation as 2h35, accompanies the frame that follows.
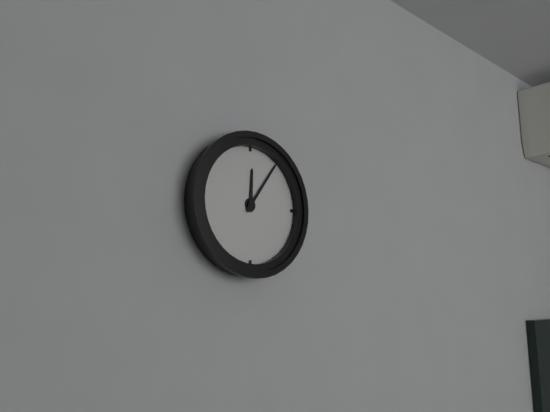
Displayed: 12h06
